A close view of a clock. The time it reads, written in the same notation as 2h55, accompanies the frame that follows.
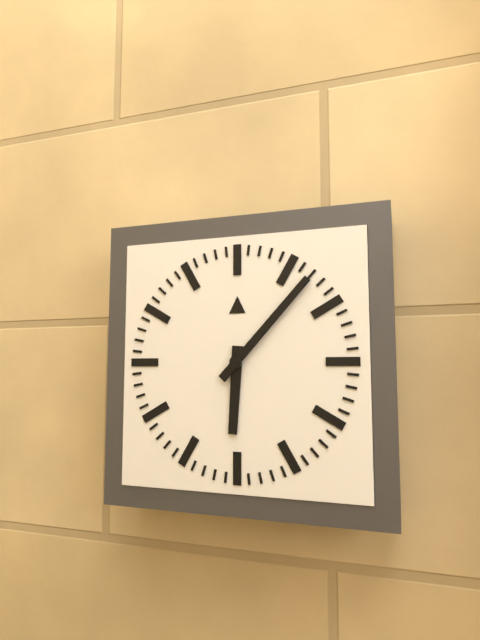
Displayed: 6h07
